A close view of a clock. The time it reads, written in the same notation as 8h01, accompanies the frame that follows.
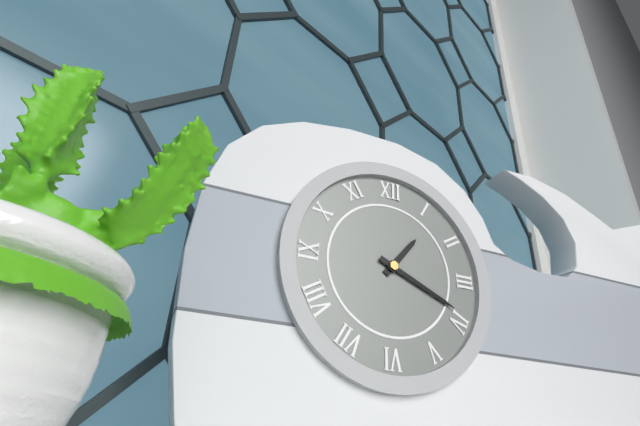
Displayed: 1h19
